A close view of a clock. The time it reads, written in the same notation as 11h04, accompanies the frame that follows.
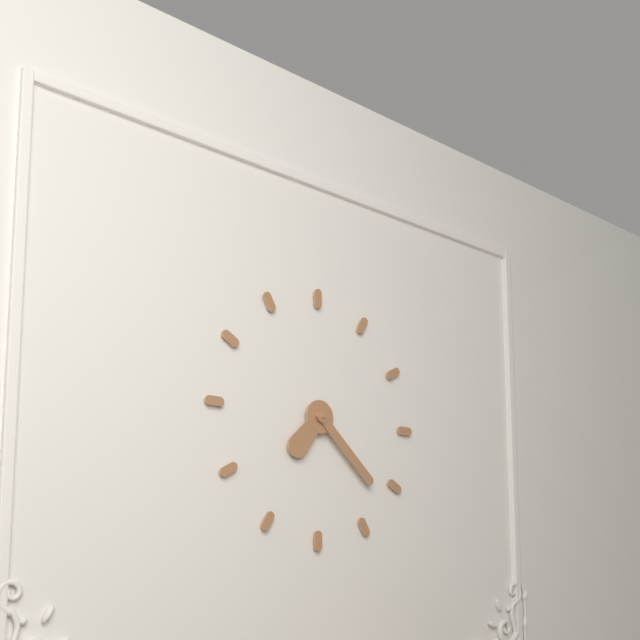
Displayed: 7h22
